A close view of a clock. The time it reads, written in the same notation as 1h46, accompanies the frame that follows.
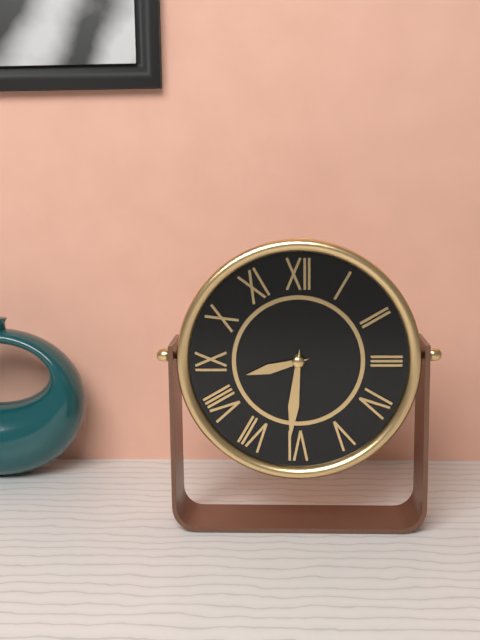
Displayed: 8h31
